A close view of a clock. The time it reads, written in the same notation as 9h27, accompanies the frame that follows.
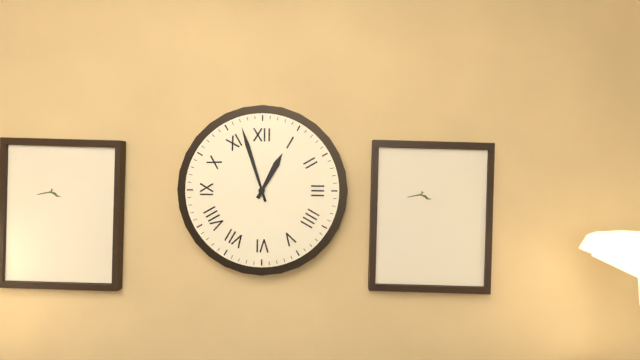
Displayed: 12h57
